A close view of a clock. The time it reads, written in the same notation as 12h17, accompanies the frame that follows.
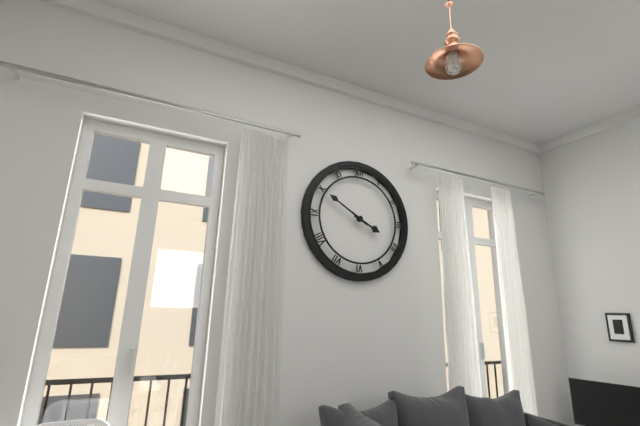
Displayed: 3h50
